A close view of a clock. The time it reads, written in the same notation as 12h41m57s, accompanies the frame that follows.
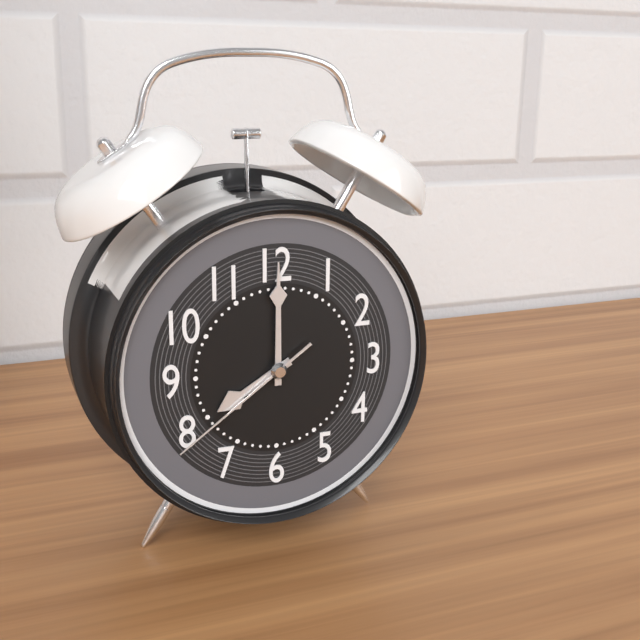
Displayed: 8h00m39s
